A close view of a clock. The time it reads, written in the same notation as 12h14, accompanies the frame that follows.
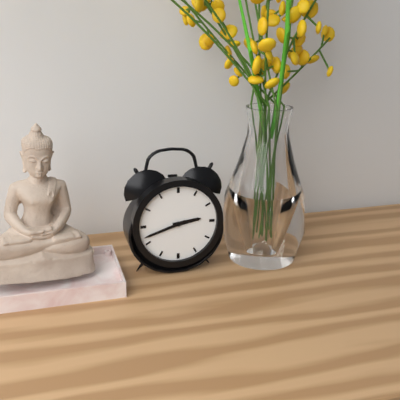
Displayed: 2h42
